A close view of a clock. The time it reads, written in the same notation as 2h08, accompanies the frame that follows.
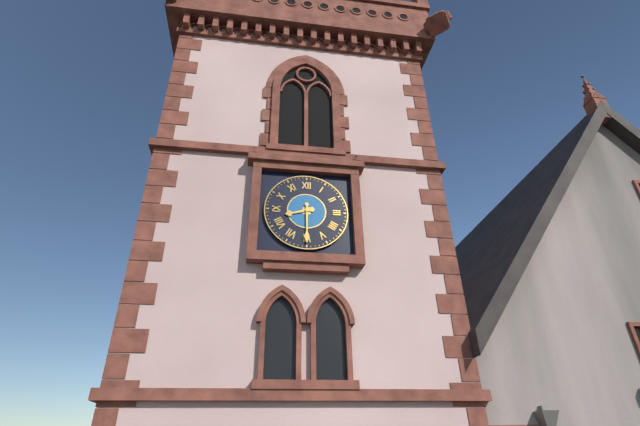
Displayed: 8h30
